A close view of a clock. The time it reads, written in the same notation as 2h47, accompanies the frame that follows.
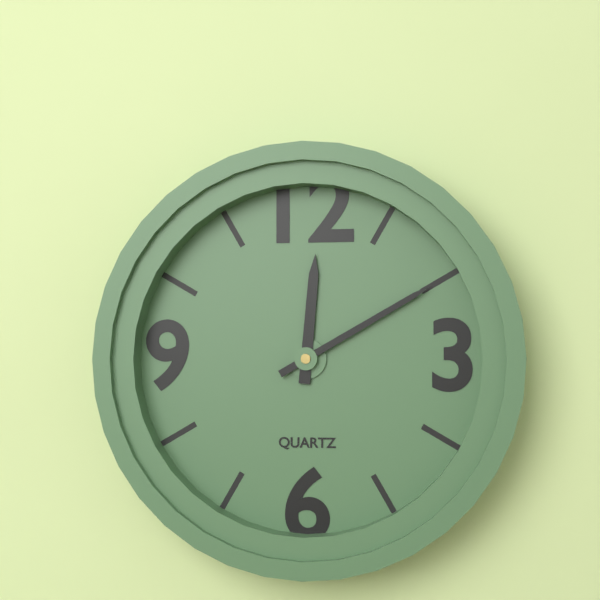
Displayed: 12h10
